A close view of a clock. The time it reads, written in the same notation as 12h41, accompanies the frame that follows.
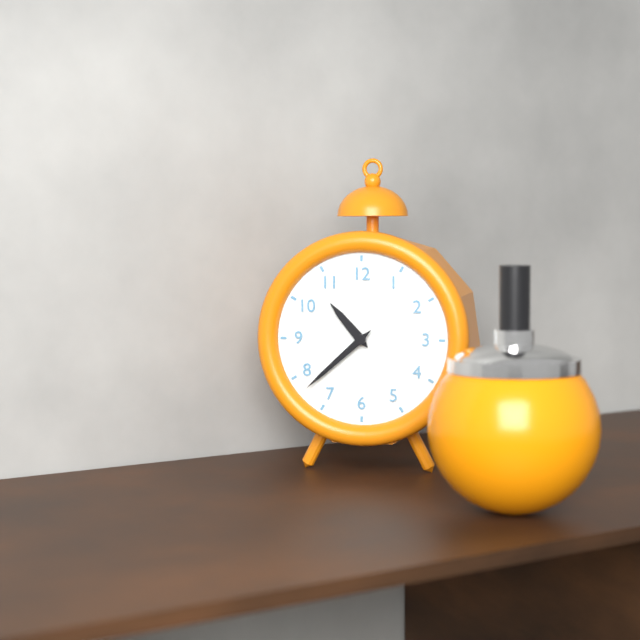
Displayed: 10h38
